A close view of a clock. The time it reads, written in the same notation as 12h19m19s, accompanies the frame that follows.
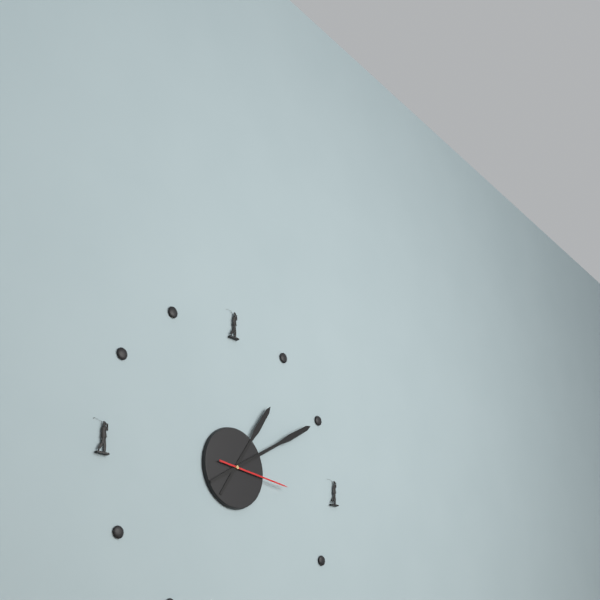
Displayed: 1h10m16s
